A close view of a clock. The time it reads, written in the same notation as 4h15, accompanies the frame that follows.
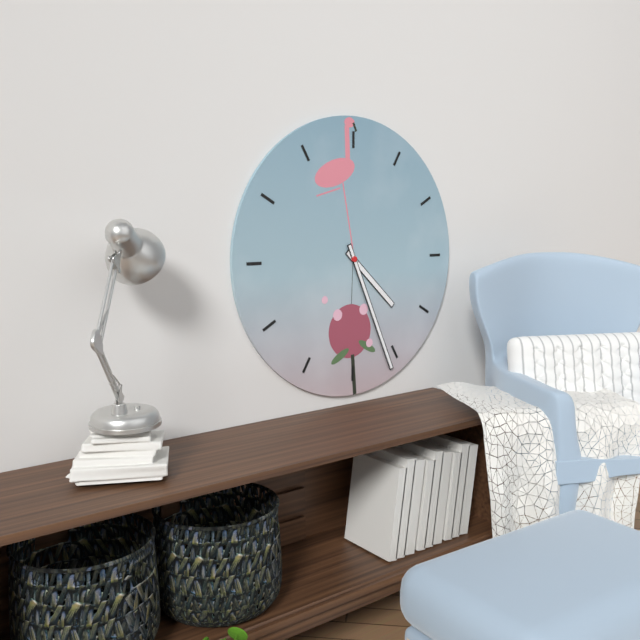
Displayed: 4h26
